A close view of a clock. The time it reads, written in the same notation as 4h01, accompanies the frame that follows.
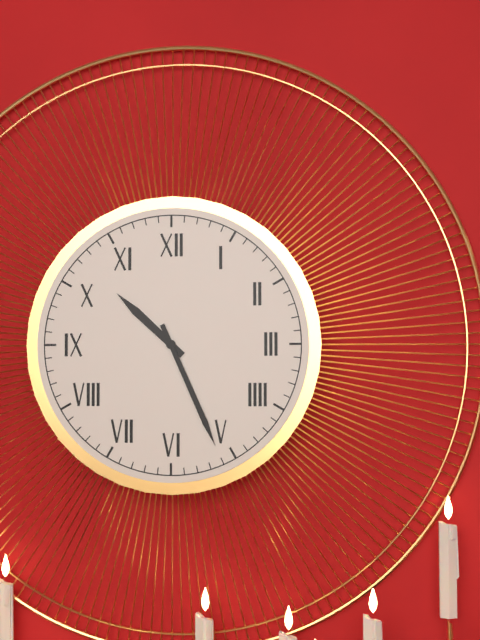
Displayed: 10h26
